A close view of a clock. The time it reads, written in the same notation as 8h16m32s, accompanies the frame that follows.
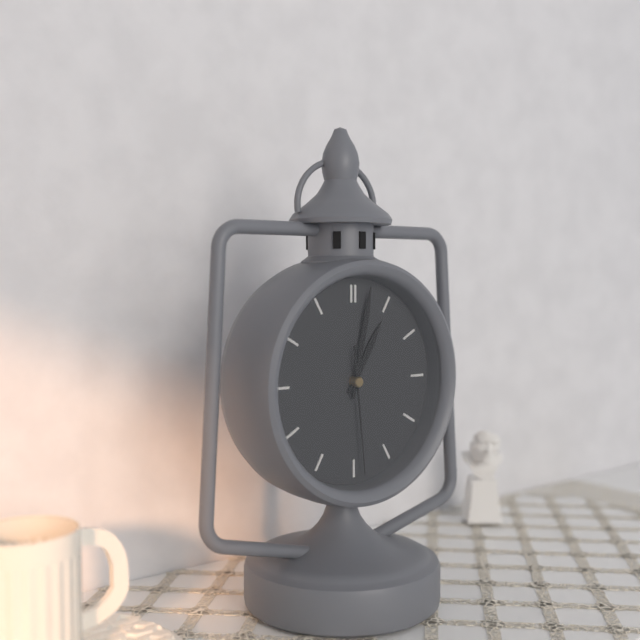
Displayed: 1h02m29s
